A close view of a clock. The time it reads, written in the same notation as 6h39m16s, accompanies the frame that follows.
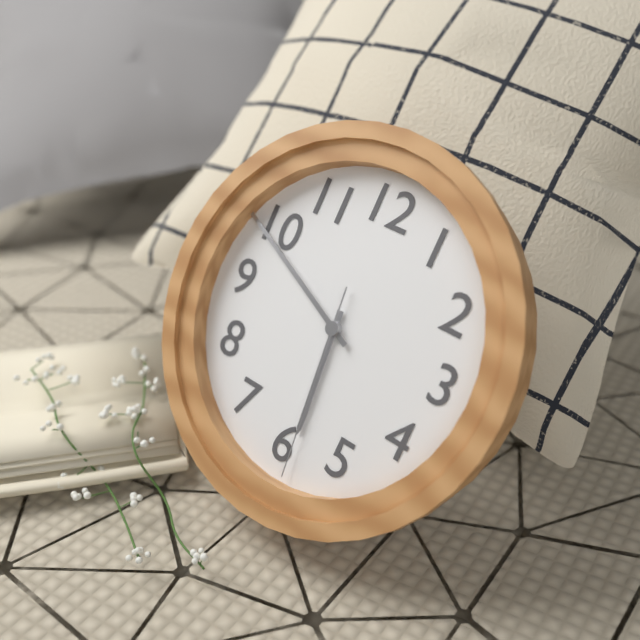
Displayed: 5h49m29s
